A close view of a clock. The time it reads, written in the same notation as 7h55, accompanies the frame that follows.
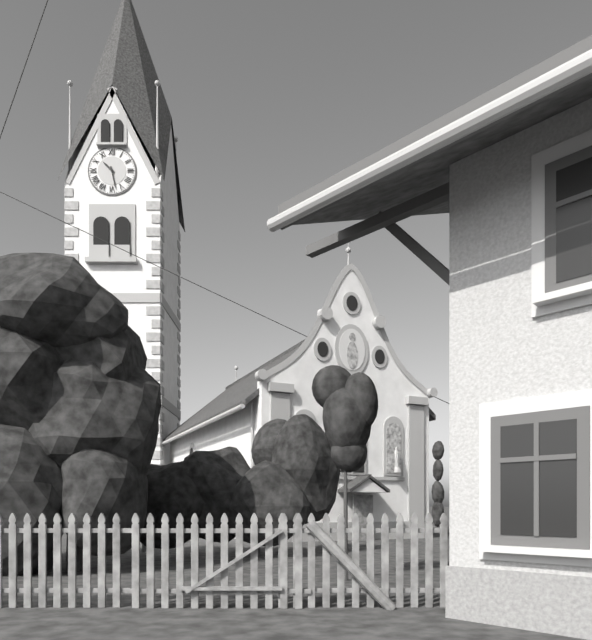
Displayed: 10h28
